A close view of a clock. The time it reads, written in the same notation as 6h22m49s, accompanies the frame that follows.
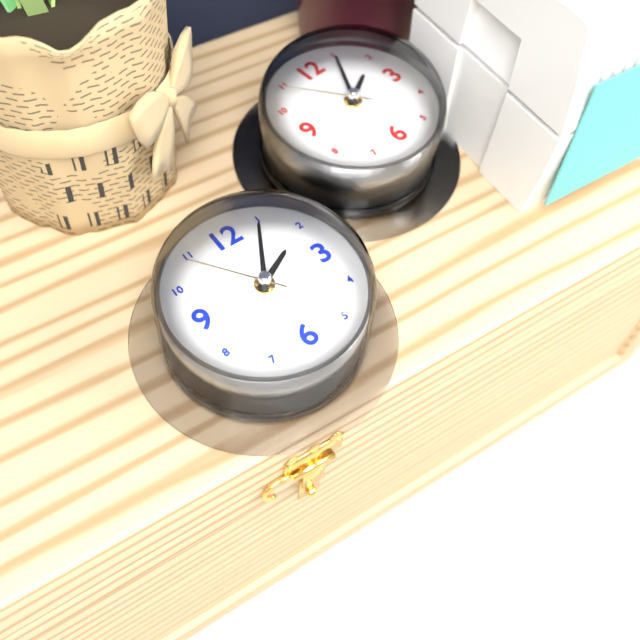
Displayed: 2h05m54s
